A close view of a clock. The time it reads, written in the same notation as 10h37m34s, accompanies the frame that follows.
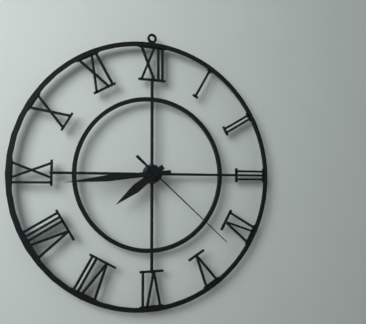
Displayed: 7h44m22s
